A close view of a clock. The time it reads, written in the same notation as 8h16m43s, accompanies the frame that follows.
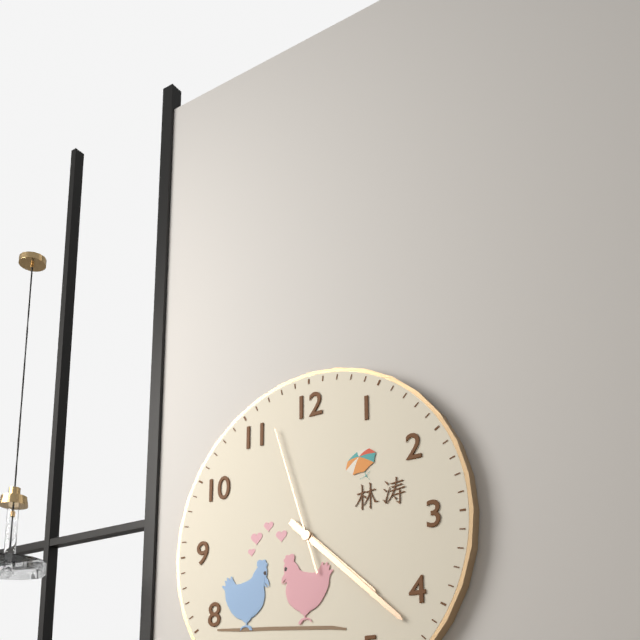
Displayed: 4h22m57s
